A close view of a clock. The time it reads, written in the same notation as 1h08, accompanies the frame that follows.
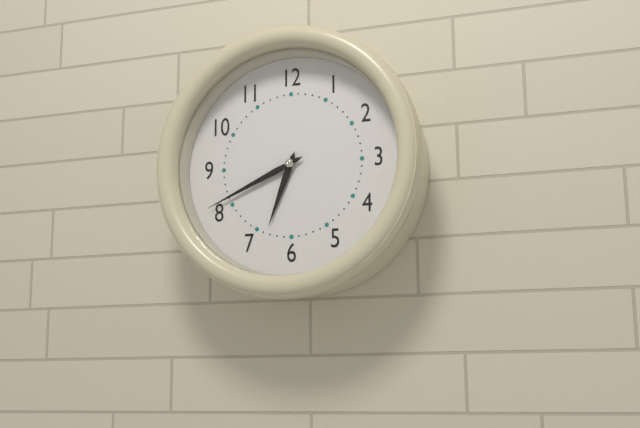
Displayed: 6h41
